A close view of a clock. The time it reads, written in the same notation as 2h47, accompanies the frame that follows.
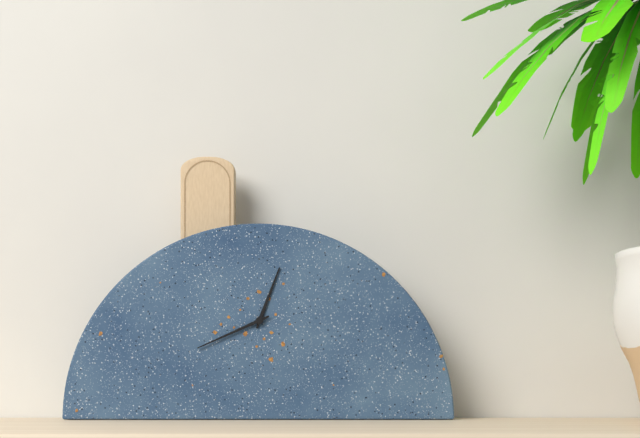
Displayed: 12h41
